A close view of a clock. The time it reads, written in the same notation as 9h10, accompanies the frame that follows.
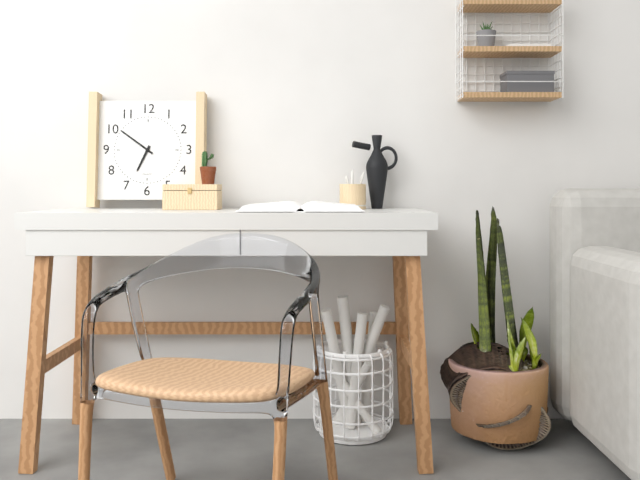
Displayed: 6h51
